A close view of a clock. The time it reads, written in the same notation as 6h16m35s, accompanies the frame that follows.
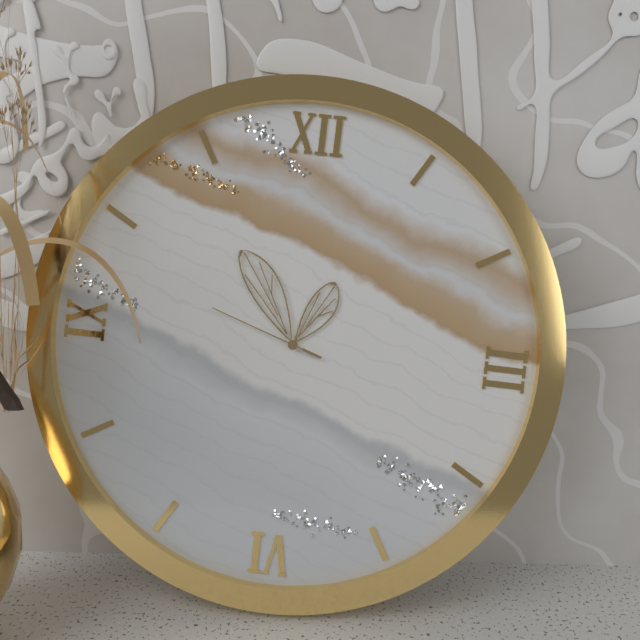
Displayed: 12h54m48s
